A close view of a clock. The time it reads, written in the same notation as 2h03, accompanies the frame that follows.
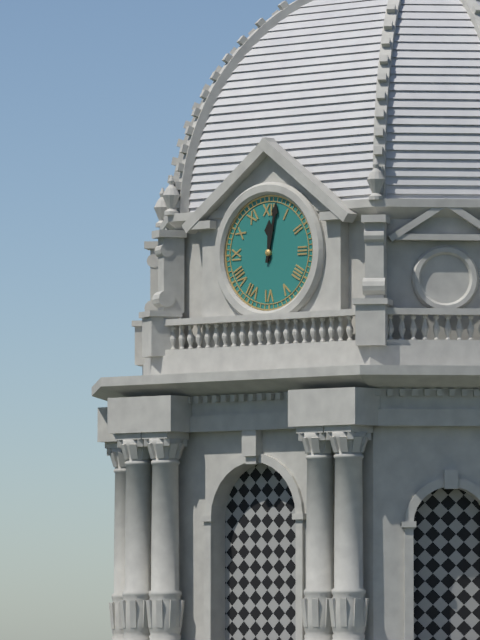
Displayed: 12h02
